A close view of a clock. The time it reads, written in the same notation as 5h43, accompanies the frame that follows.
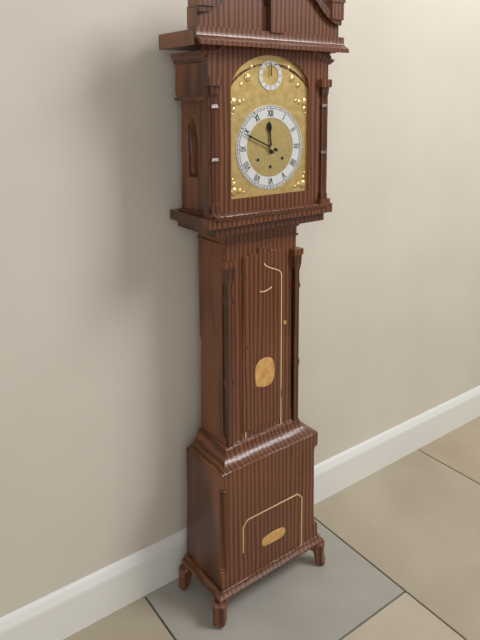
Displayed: 11h49
